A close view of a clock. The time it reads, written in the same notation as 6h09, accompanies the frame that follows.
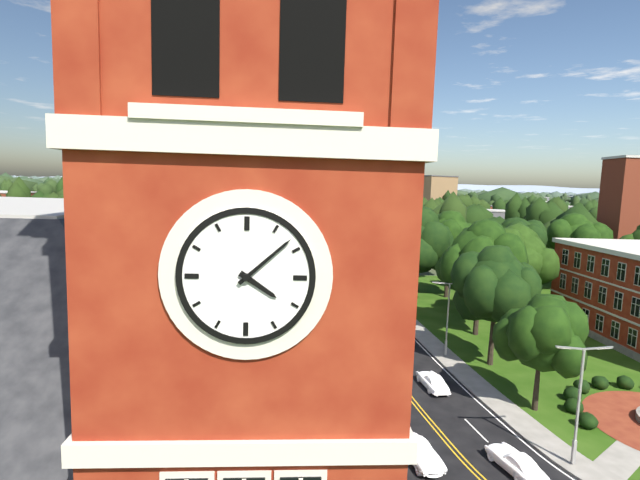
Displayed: 4h08
